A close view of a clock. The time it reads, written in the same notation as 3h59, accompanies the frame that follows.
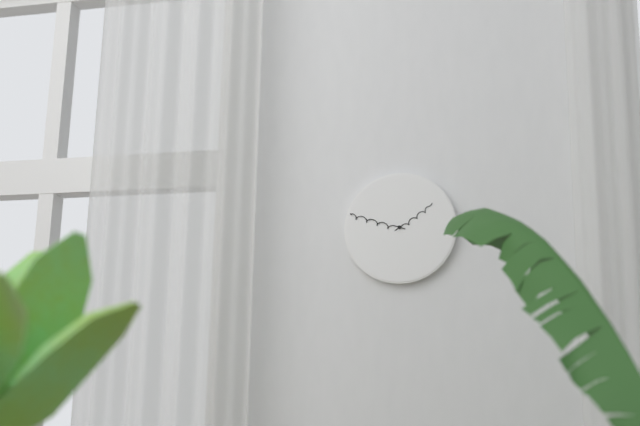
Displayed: 1h48
